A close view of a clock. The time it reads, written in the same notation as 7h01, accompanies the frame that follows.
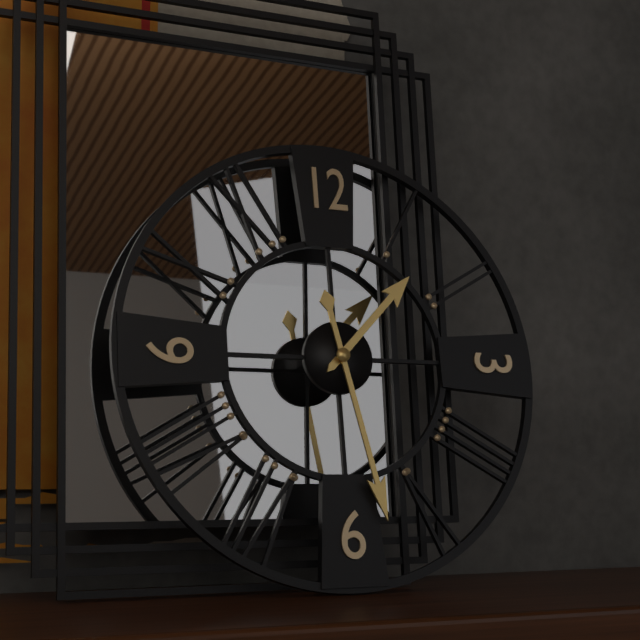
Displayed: 1h28
